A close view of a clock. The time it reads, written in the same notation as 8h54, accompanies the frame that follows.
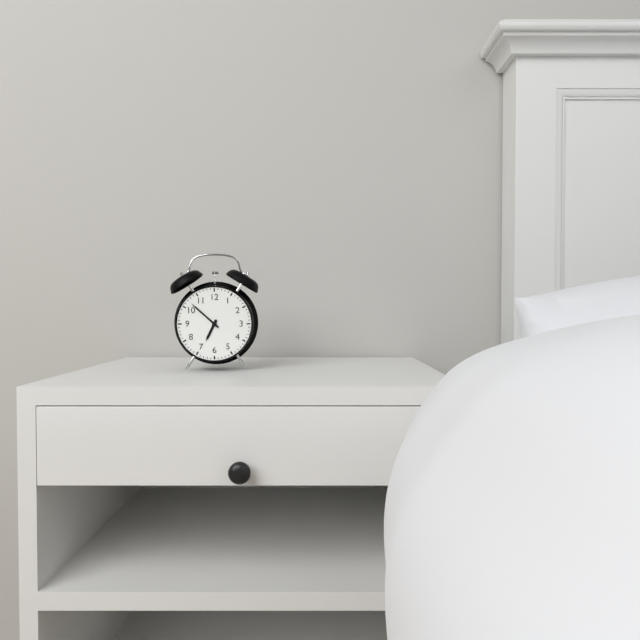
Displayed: 6h52
